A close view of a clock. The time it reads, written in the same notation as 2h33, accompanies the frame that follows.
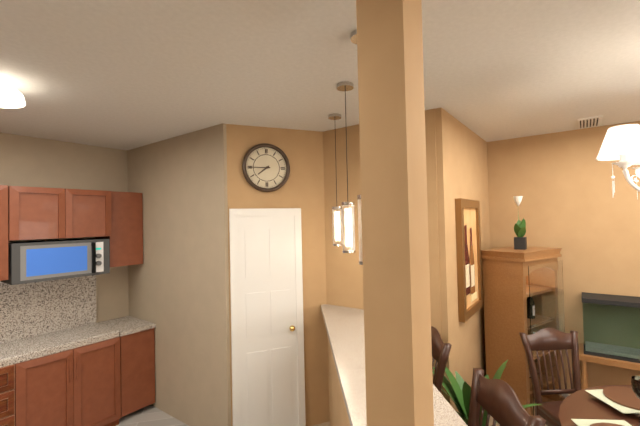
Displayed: 7h45
